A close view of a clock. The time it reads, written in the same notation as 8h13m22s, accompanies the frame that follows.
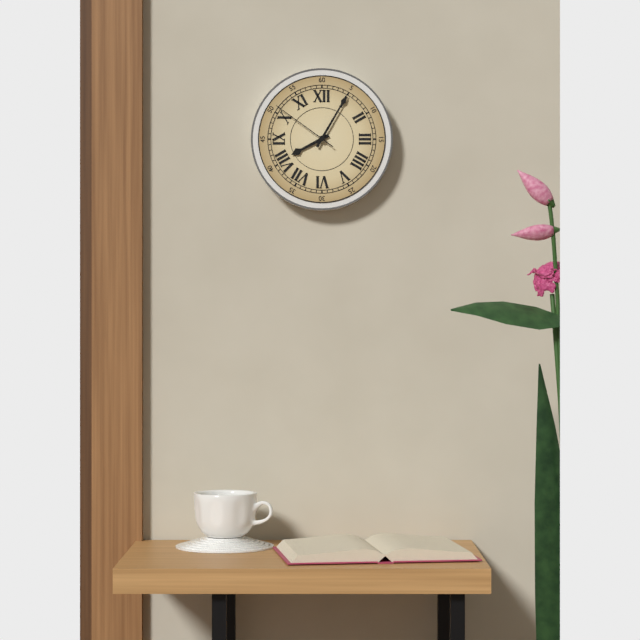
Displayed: 8h05m51s
